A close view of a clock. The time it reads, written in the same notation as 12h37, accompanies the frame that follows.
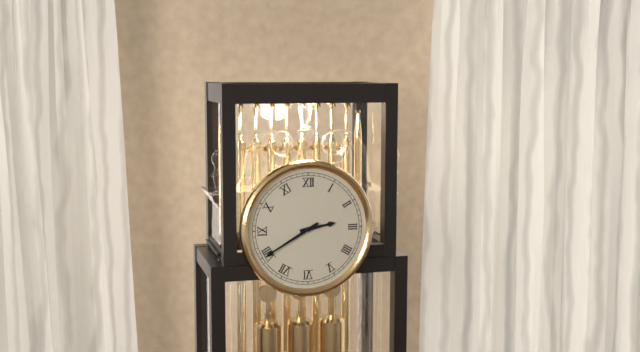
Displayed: 2h40
